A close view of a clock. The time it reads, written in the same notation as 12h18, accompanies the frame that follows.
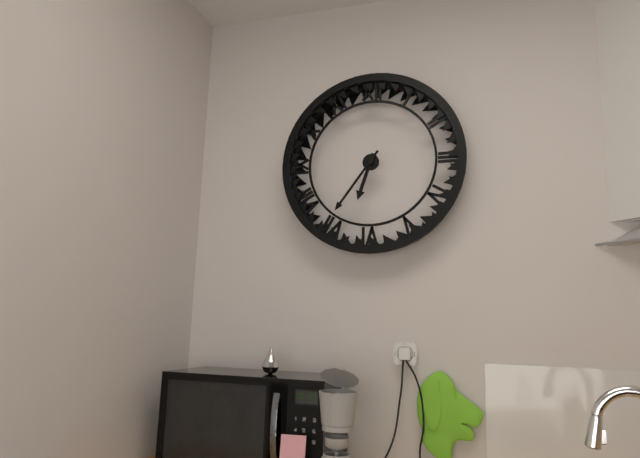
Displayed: 6h36
